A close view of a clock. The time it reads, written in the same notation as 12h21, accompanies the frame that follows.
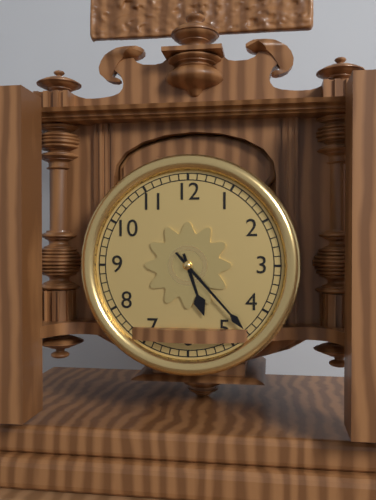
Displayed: 5h23
